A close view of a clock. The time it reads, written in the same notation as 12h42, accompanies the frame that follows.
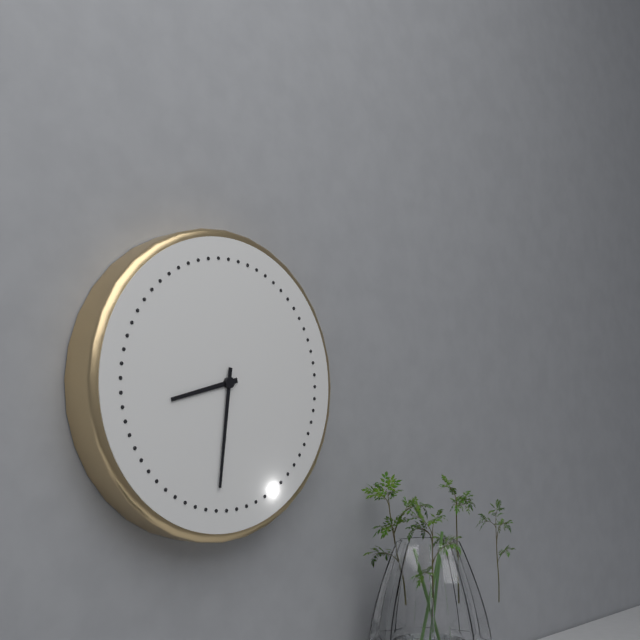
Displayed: 8h31
